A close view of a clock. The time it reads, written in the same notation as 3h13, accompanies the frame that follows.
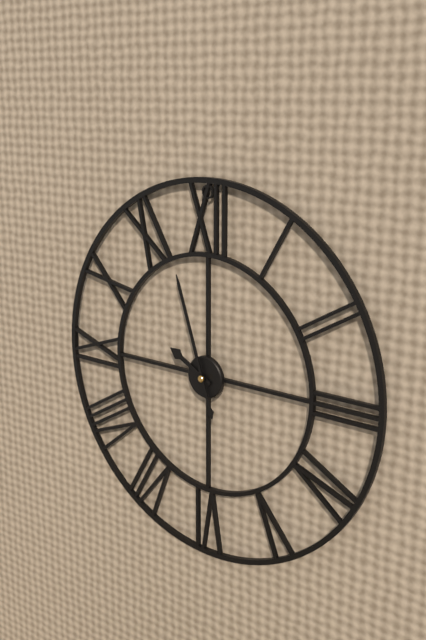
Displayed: 9h57
